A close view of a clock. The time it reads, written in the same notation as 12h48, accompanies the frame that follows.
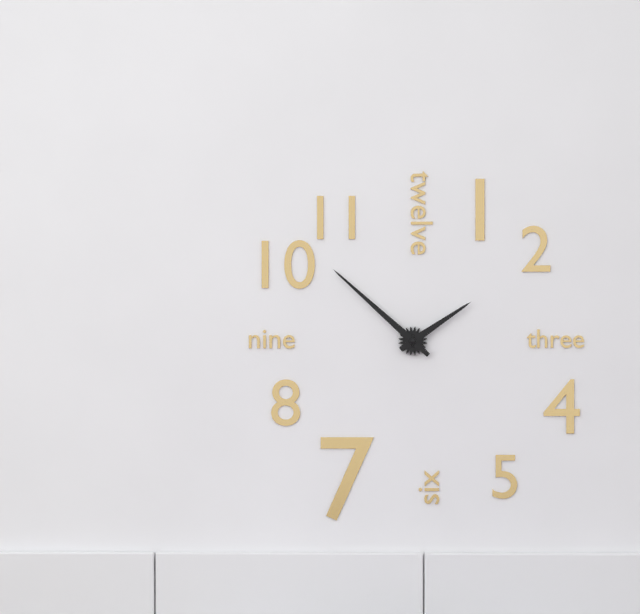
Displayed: 1h52
